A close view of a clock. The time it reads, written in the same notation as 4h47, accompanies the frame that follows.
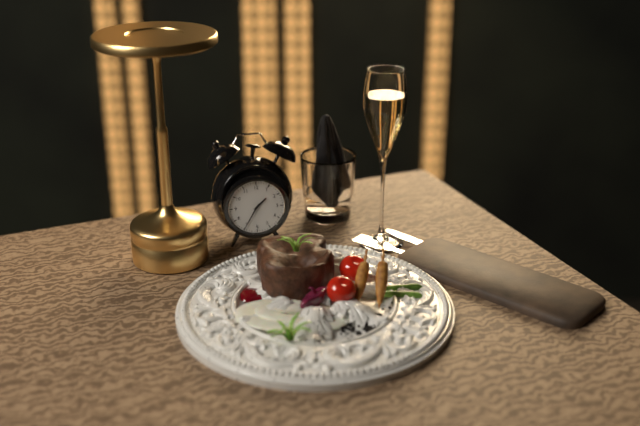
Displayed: 1h35
